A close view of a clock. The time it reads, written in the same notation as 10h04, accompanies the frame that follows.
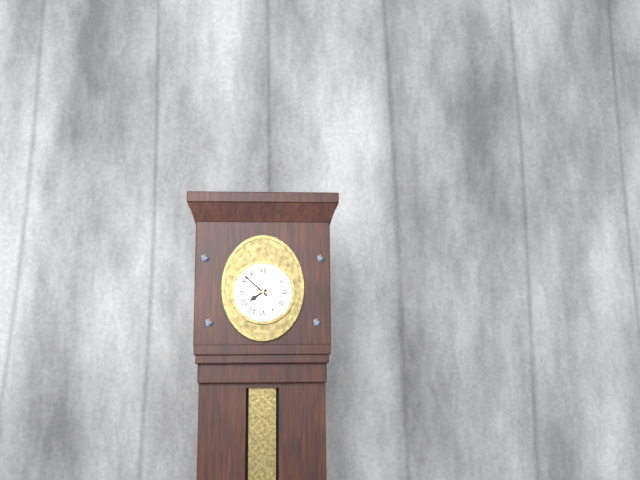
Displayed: 7h52
